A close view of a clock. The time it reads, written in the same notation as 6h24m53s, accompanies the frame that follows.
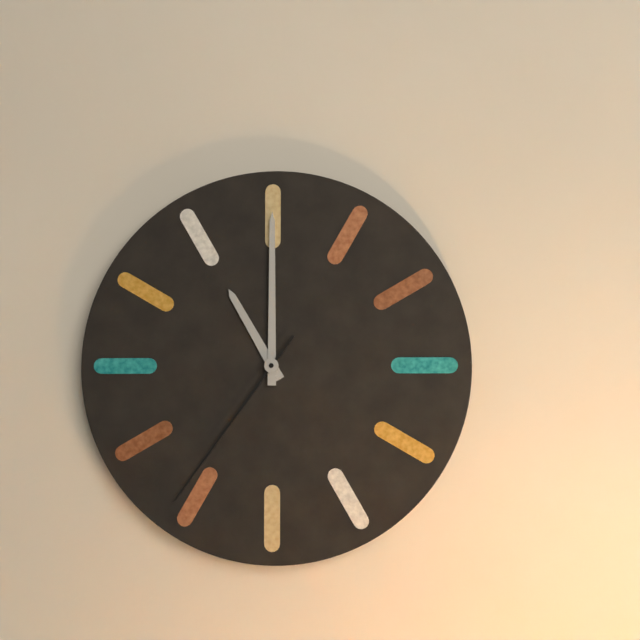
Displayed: 11h00m36s
